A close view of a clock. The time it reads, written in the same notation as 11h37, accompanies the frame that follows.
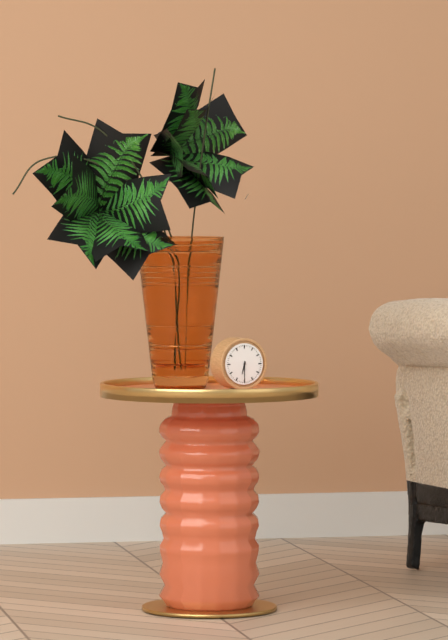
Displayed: 6h30
